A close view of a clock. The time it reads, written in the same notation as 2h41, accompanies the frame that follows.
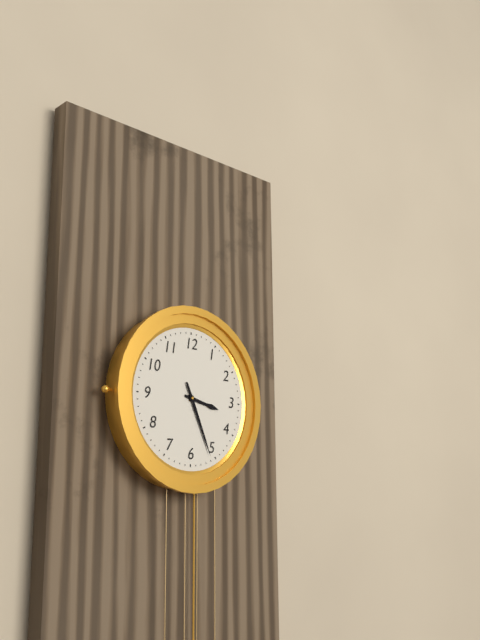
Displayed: 3h26
